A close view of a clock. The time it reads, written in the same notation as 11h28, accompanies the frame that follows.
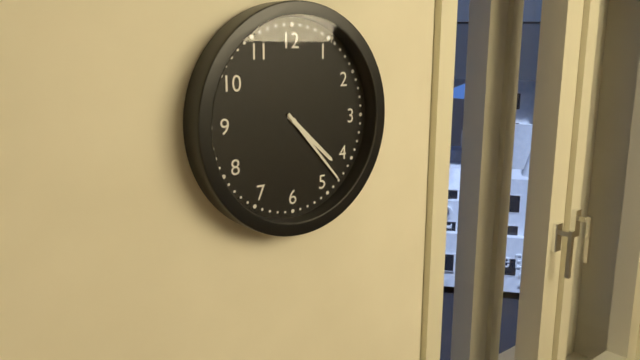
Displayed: 4h23
